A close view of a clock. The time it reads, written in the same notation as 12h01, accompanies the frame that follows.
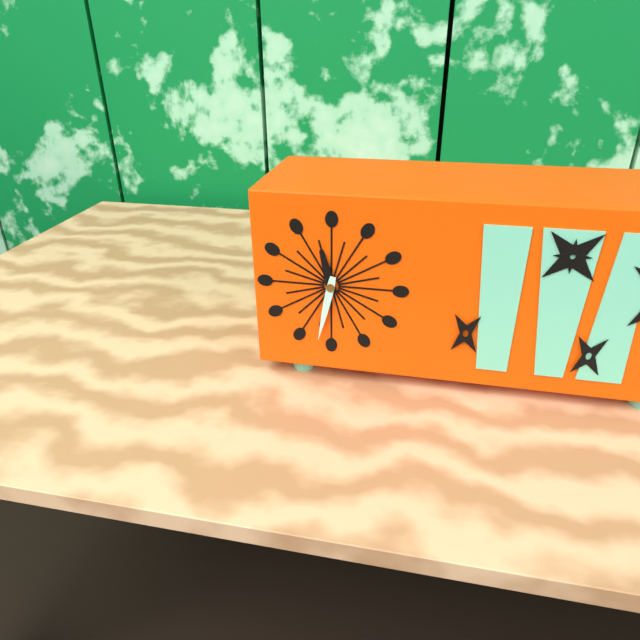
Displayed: 11h32
